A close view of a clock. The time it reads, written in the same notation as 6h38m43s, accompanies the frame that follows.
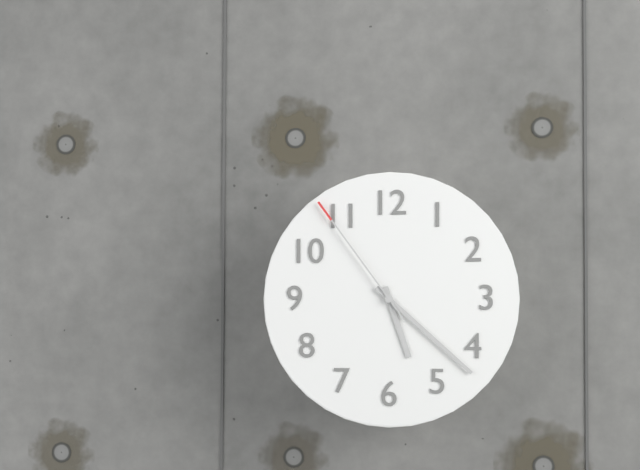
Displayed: 5h22m54s
